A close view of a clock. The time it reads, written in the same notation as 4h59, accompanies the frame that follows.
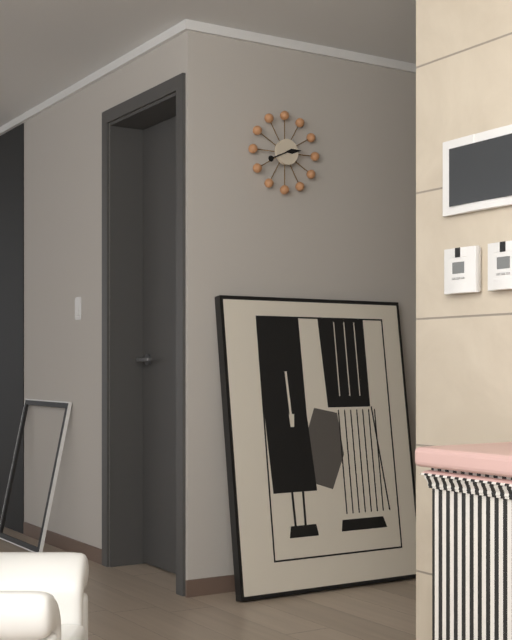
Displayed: 2h41
